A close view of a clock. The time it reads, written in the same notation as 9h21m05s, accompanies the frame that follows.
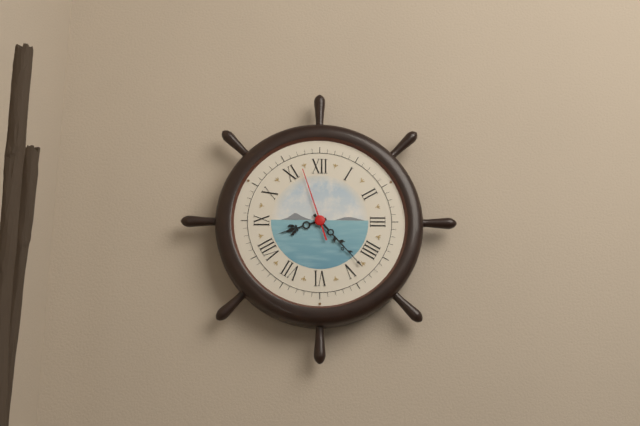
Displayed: 8h23m57s
